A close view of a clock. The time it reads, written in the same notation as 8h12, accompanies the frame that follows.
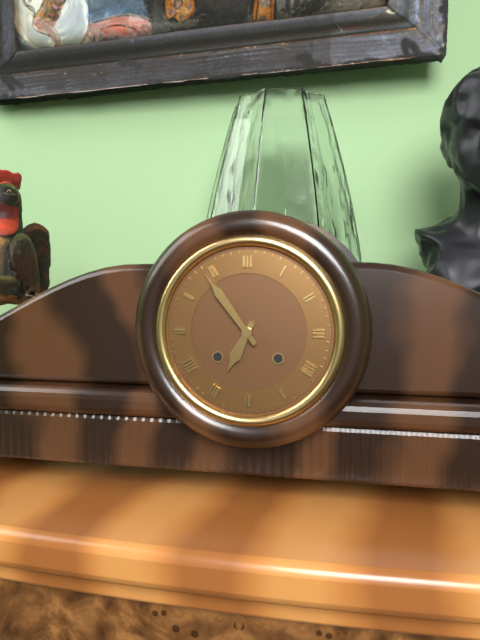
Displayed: 6h54
